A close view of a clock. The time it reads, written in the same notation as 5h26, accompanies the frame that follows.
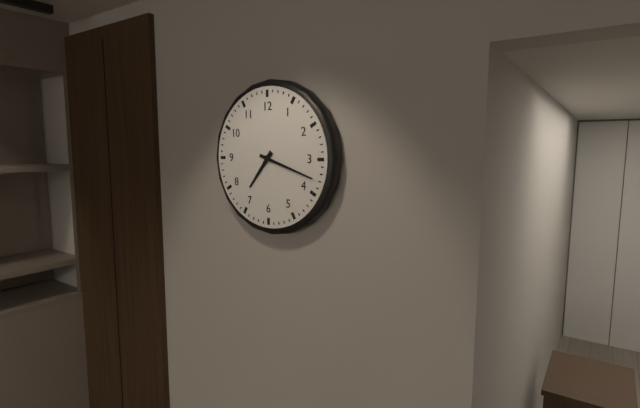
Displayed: 7h18
